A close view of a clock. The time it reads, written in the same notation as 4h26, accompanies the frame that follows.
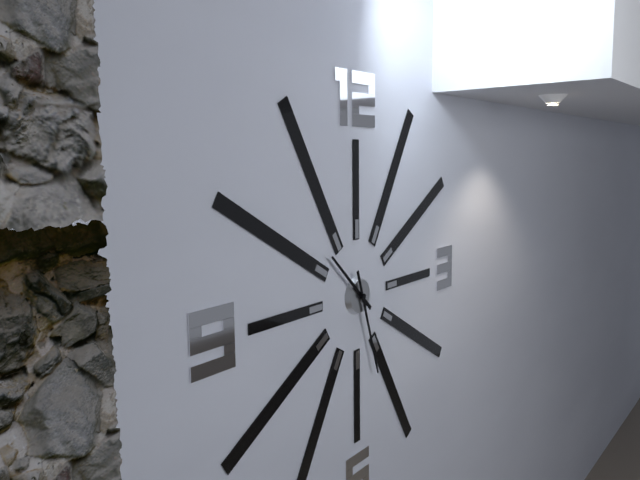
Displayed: 10h27
